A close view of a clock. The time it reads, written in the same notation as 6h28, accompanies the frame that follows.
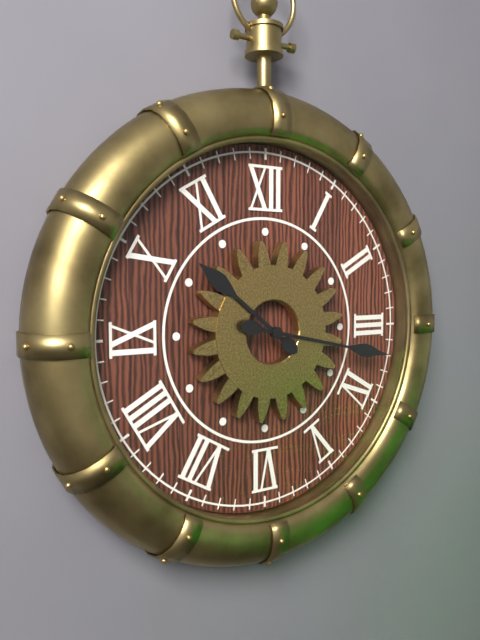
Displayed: 10h17
